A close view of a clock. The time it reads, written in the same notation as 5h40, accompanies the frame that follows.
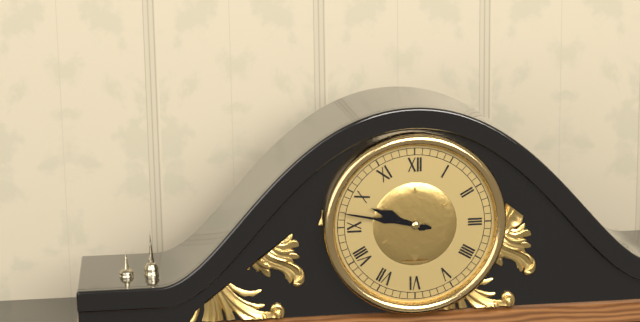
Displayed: 9h47
